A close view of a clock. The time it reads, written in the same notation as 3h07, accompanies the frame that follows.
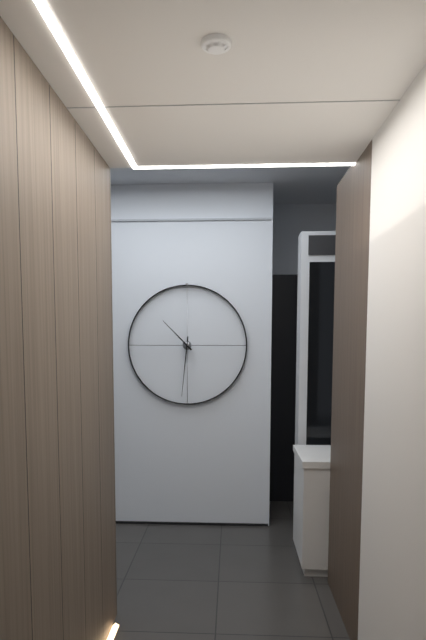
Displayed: 10h31
